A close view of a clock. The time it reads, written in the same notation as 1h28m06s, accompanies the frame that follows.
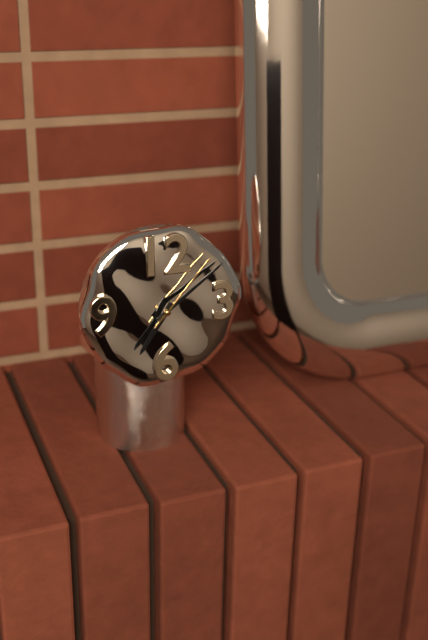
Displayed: 7h09m07s
